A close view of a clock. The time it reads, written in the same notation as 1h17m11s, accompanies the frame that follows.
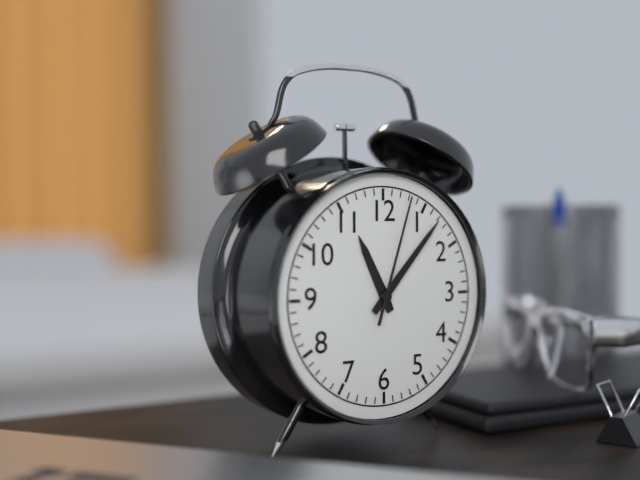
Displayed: 11h07m03s
